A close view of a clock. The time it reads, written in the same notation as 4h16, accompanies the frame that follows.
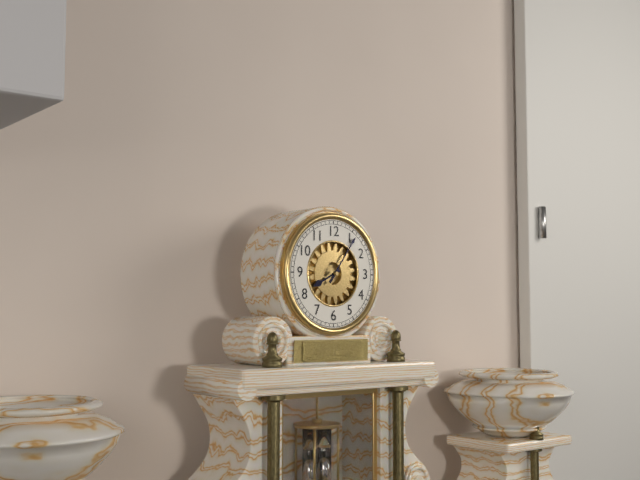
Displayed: 8h06
